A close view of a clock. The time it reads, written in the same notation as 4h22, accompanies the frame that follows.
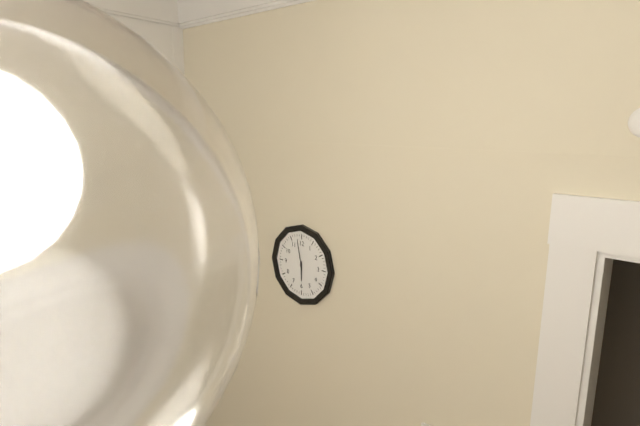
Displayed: 5h58
